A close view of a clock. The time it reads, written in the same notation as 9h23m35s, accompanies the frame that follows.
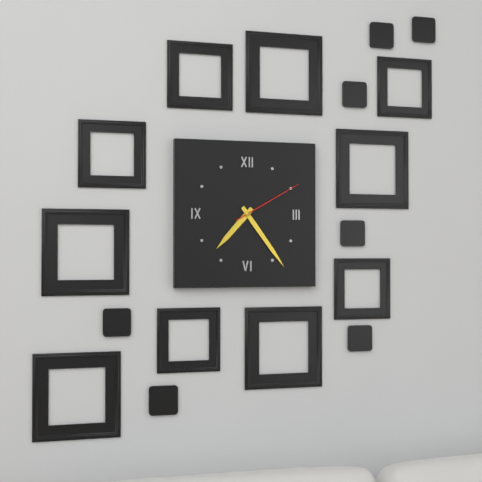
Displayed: 7h24m10s
